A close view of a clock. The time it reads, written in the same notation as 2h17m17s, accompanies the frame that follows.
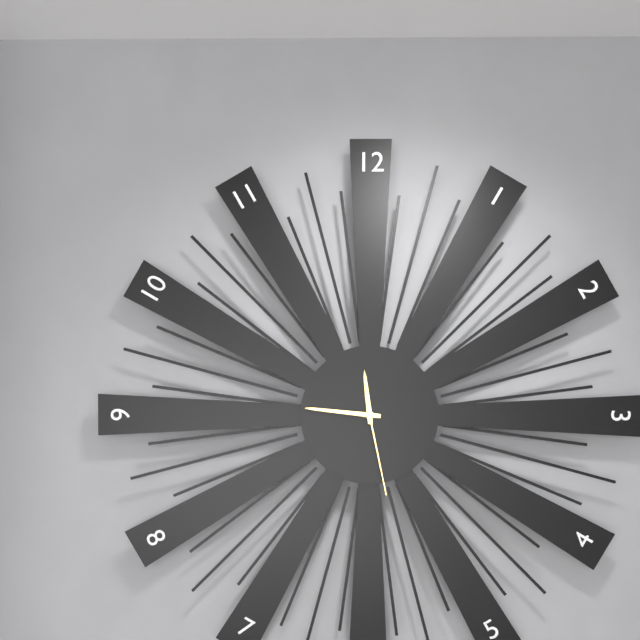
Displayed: 11h46m28s
